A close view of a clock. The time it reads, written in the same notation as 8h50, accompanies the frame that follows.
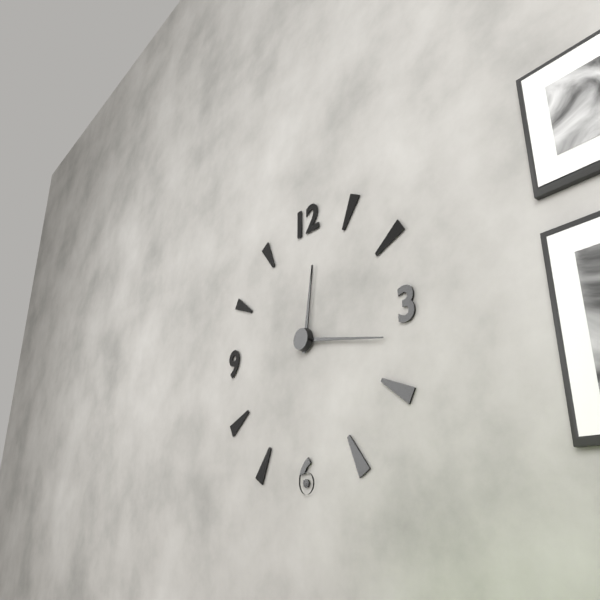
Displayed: 12h17
